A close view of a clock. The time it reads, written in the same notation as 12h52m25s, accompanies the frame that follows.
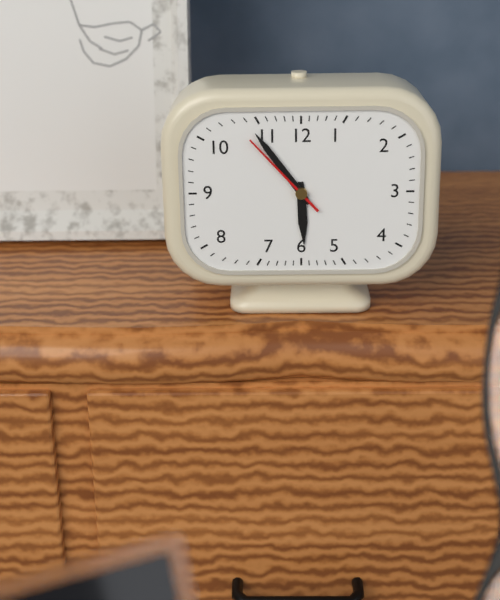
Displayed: 5h54m53s
